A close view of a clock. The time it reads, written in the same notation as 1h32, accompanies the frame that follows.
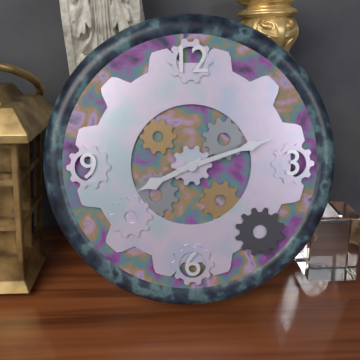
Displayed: 8h12
